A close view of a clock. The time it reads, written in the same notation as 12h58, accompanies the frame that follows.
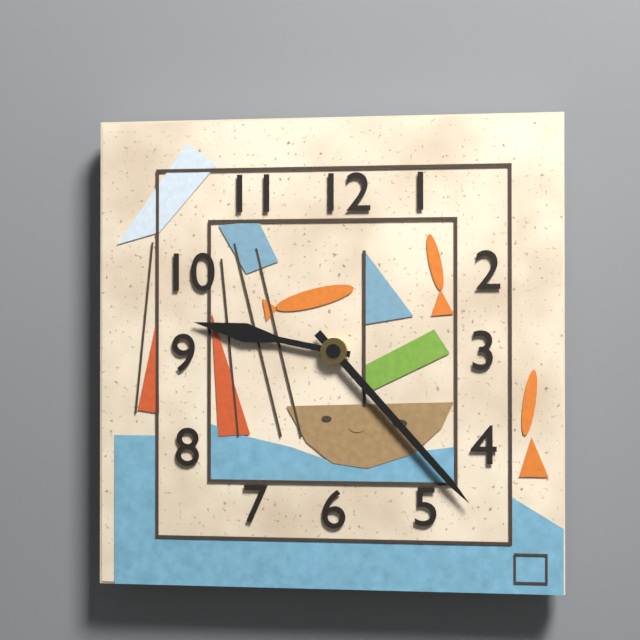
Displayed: 9h23
